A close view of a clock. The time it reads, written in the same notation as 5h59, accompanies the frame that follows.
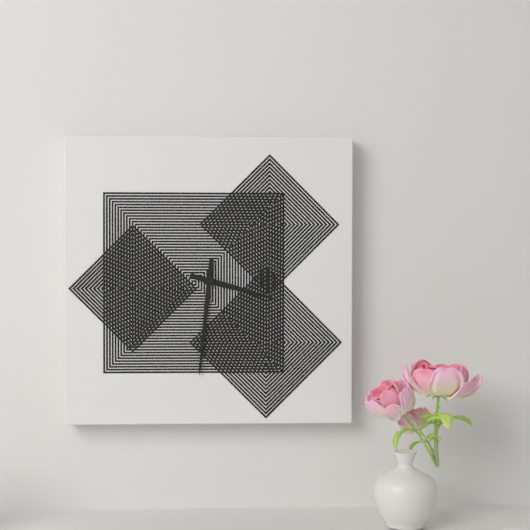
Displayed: 3h31
